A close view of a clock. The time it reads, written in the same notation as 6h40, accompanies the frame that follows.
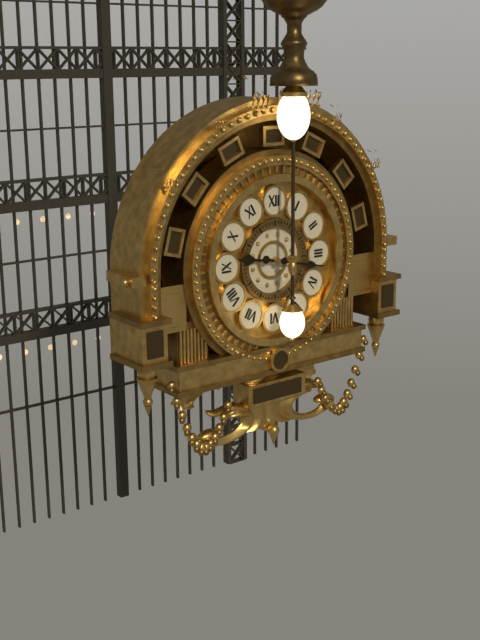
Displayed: 9h17
